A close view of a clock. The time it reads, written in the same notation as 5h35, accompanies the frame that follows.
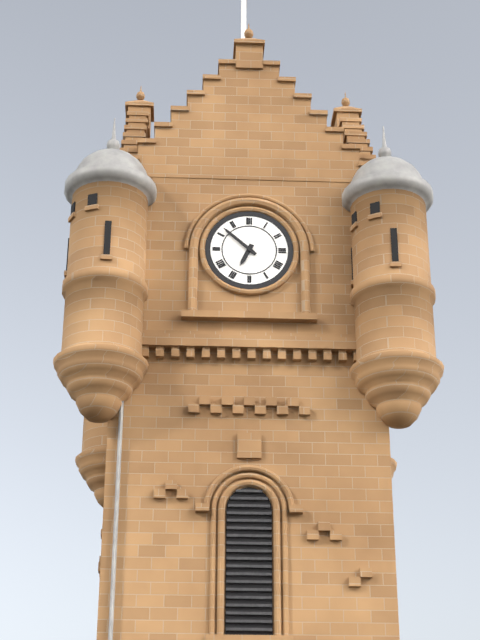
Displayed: 6h52
